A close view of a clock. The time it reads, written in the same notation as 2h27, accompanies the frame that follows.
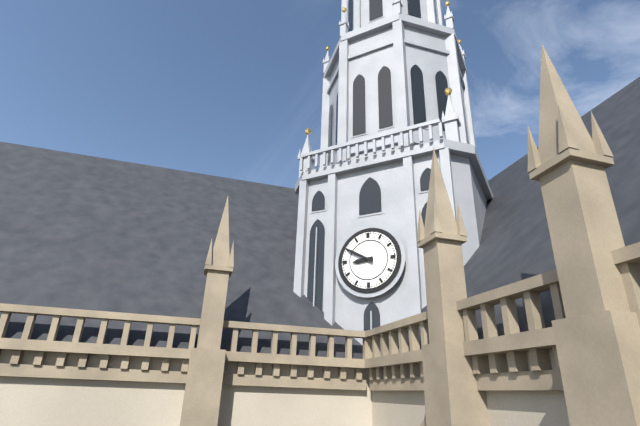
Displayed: 8h50
